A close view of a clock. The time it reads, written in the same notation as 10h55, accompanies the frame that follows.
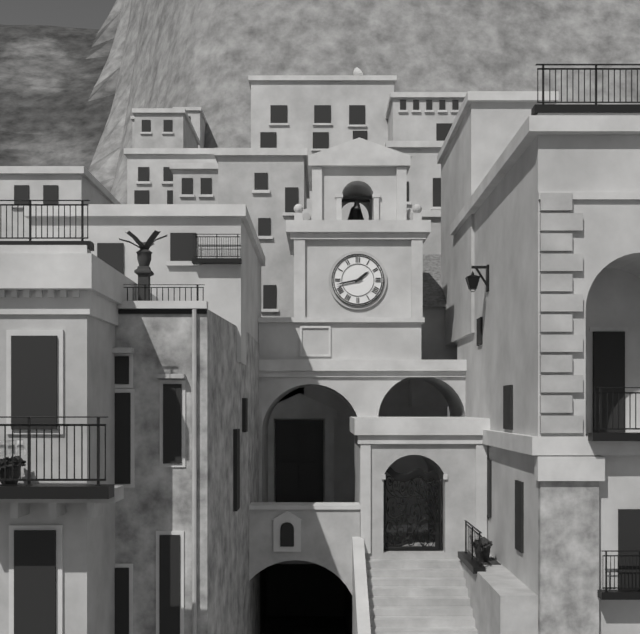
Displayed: 1h43
